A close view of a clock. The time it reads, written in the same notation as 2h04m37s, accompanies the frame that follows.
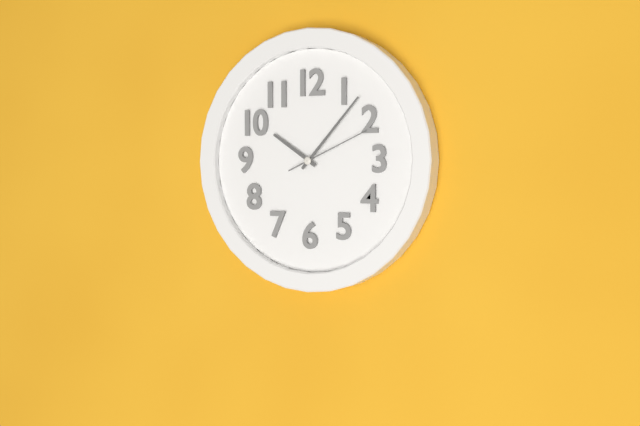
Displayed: 10h07m11s
